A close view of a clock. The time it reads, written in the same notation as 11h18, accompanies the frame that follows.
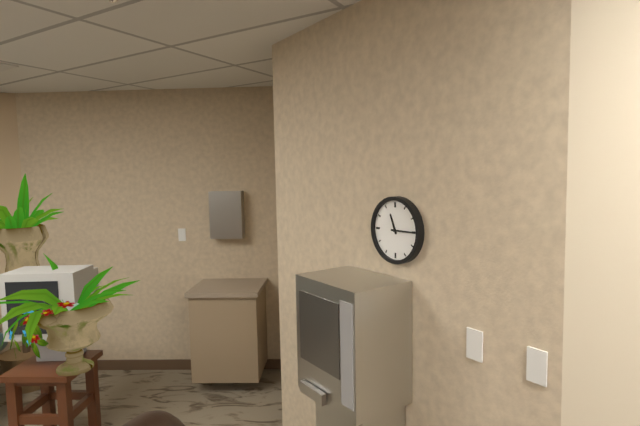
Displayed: 11h15
